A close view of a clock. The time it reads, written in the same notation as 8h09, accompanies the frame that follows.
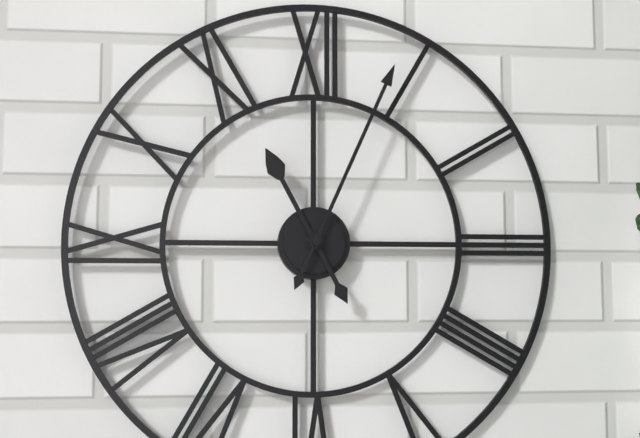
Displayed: 11h04
